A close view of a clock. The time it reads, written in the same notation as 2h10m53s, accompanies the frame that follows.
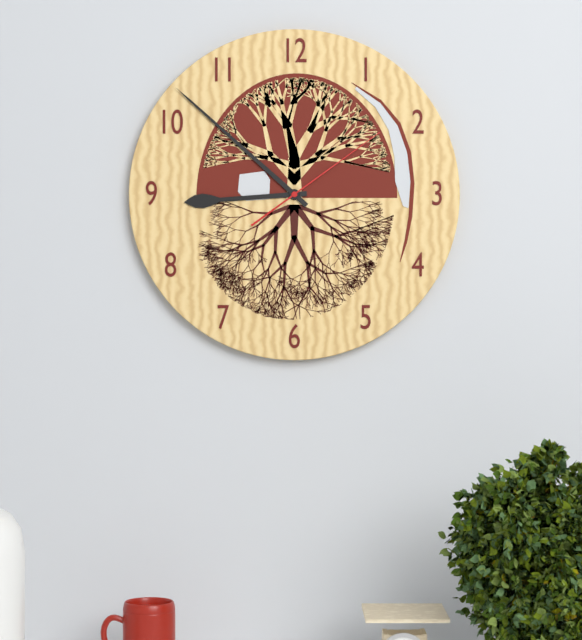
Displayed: 8h52m09s
